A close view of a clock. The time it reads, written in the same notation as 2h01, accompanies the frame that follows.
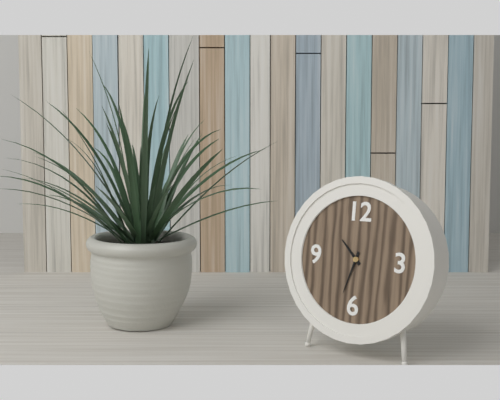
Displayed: 10h33
